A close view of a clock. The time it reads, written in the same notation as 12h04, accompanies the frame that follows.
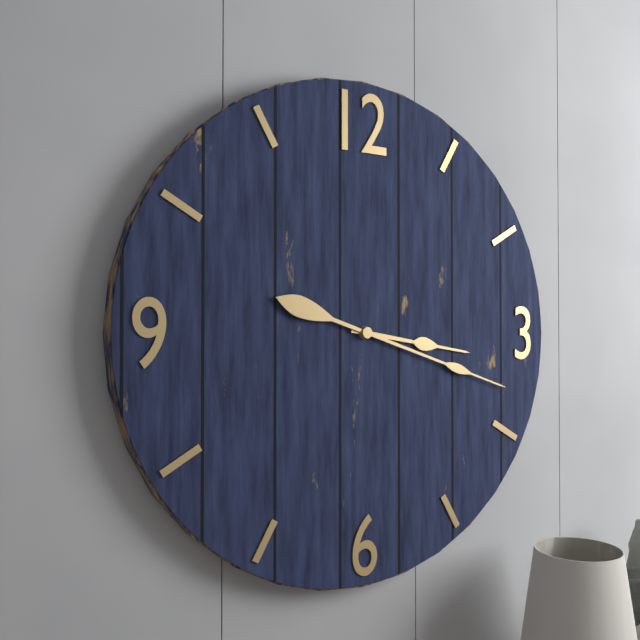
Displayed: 3h18
